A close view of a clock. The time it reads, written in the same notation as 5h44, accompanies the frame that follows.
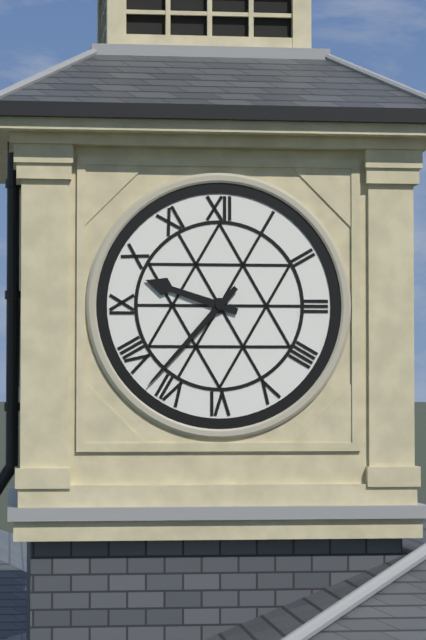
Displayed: 9h37
